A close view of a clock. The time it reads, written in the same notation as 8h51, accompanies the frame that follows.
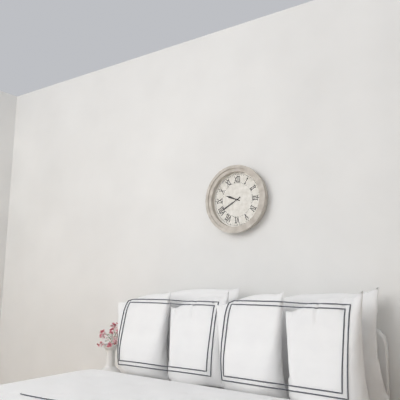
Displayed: 9h40
